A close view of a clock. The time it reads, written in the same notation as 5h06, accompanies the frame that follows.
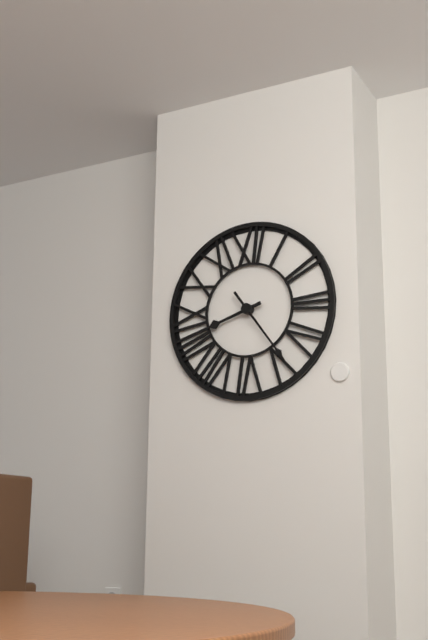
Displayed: 8h24
